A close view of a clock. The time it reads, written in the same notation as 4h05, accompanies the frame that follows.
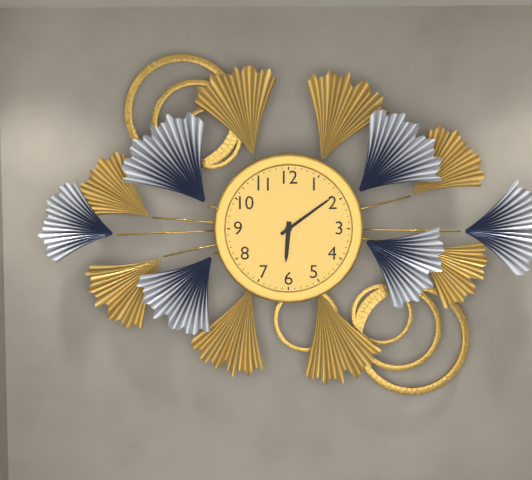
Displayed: 6h09
